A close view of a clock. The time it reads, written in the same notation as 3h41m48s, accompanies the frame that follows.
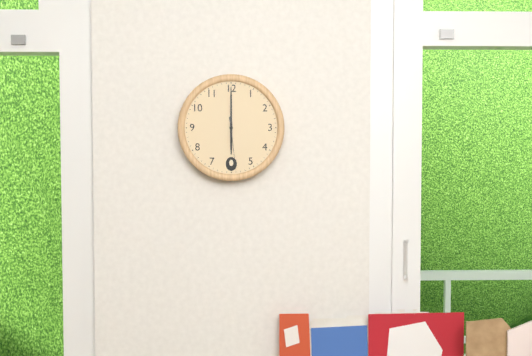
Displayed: 6h00m29s
